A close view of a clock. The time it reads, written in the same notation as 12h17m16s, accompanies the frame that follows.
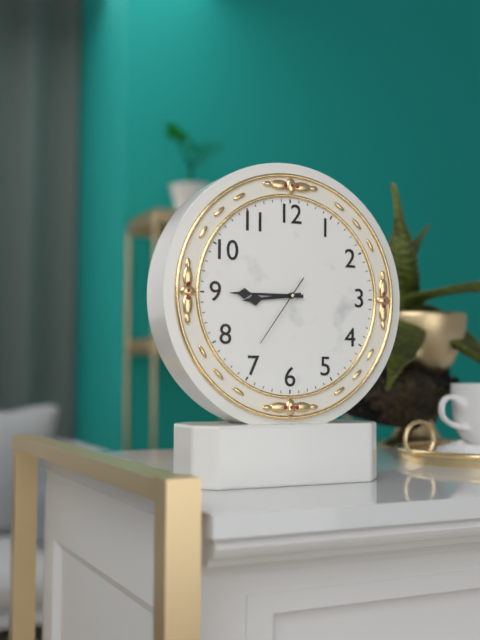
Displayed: 8h45m36s
